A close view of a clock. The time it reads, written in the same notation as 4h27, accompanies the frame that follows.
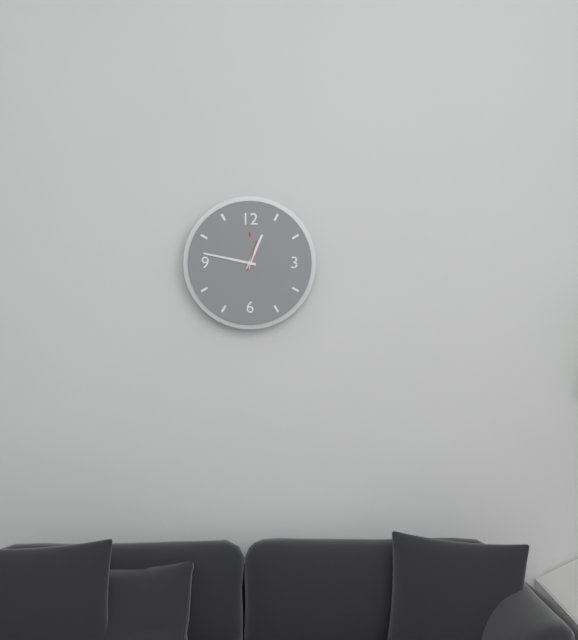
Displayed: 12h47
